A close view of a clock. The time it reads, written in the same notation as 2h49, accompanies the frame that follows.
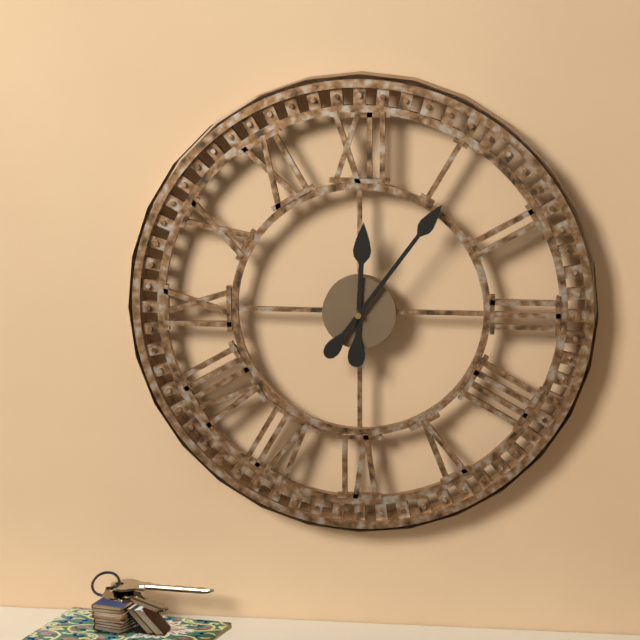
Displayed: 12h06
